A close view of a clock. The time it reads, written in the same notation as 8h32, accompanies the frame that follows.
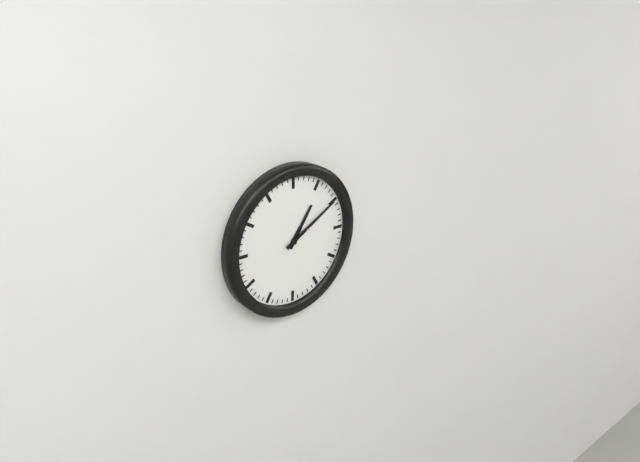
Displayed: 1h10
